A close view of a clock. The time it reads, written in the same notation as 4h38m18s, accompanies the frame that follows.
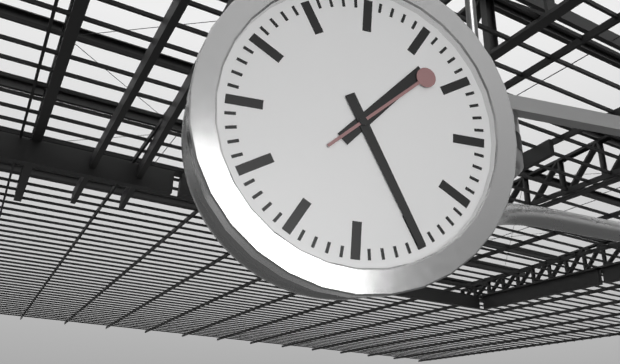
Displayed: 1h25m08s
